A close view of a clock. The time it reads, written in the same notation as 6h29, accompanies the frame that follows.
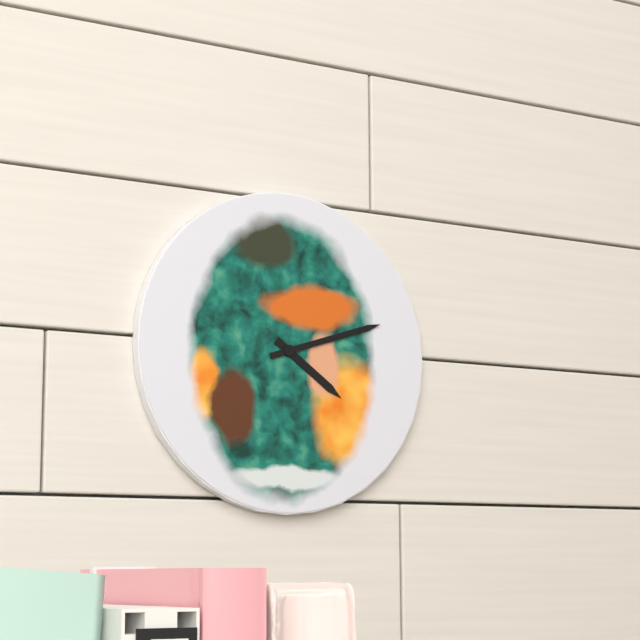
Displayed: 4h12
